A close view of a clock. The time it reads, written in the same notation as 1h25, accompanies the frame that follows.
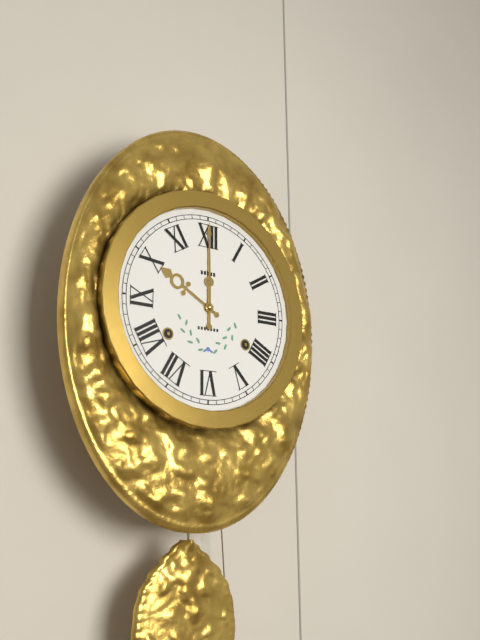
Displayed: 10h00
